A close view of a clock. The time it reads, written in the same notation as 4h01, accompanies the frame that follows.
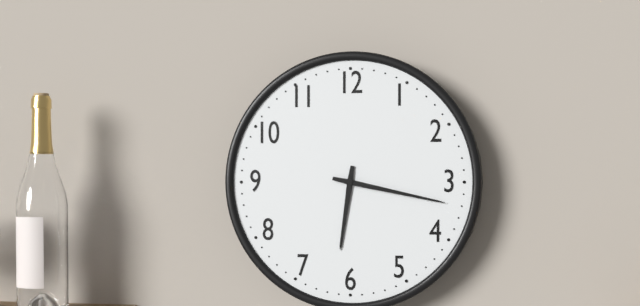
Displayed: 6h17
